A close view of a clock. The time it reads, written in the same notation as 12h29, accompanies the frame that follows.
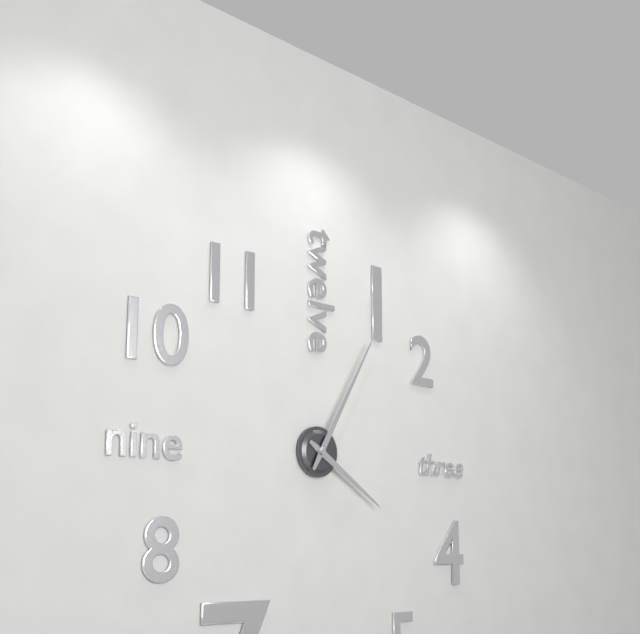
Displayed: 4h05
